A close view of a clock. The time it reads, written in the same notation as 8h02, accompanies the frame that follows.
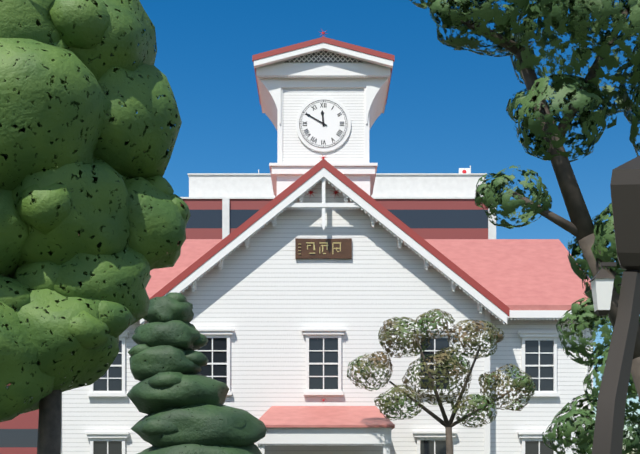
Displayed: 11h50
